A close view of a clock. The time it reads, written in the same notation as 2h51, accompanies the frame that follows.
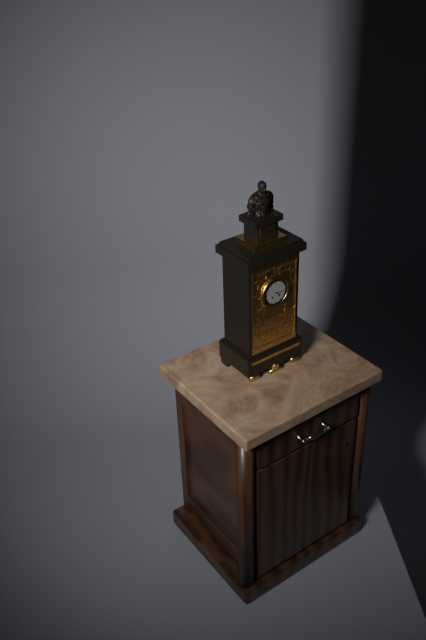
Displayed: 4h16
